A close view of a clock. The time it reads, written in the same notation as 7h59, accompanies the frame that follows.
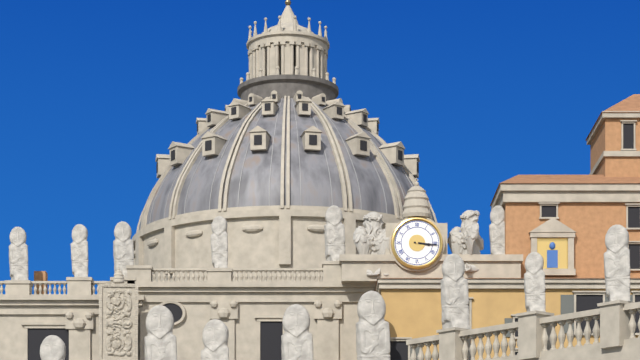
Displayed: 3h16
